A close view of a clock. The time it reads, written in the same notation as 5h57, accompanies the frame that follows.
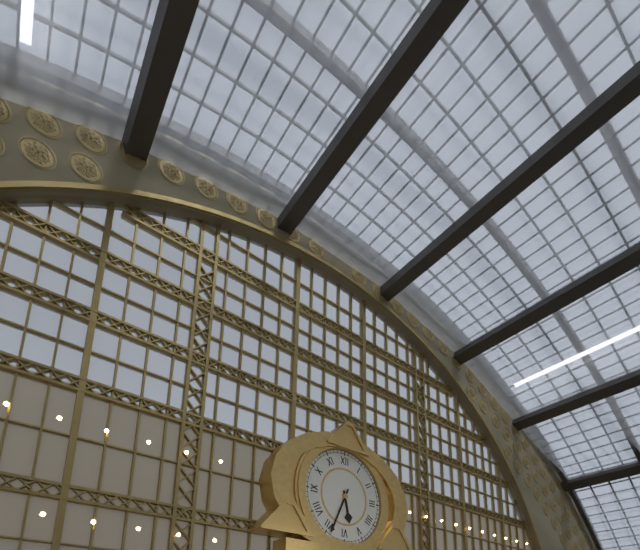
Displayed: 5h34
